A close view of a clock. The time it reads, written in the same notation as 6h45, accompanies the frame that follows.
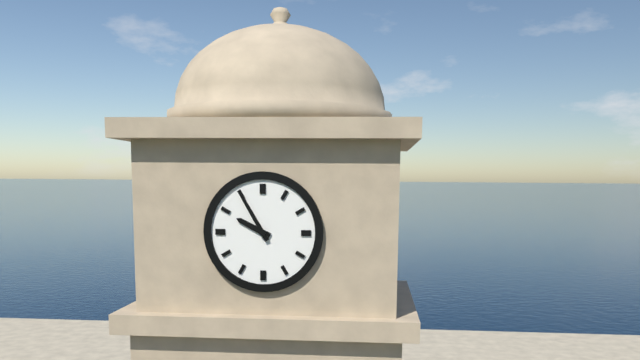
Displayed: 9h55
